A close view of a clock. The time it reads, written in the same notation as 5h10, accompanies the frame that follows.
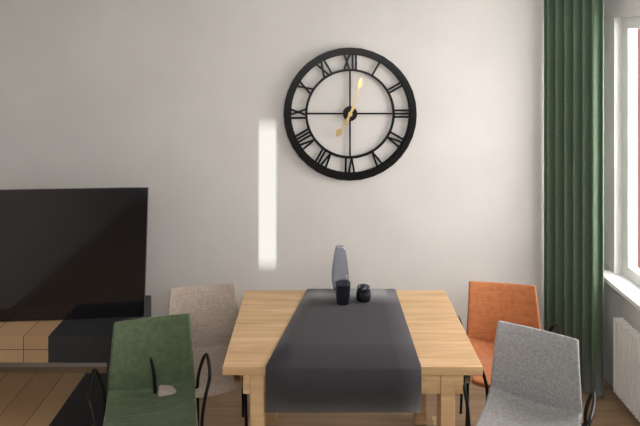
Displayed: 7h03
